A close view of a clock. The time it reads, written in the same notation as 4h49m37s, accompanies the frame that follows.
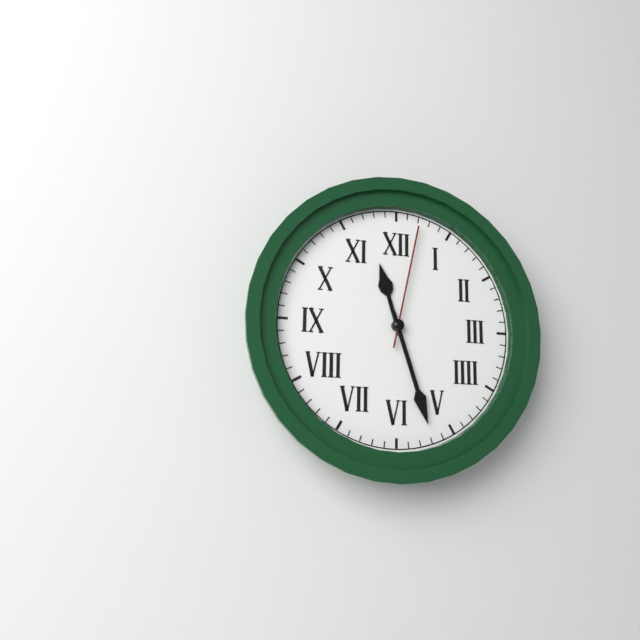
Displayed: 11h27m02s
